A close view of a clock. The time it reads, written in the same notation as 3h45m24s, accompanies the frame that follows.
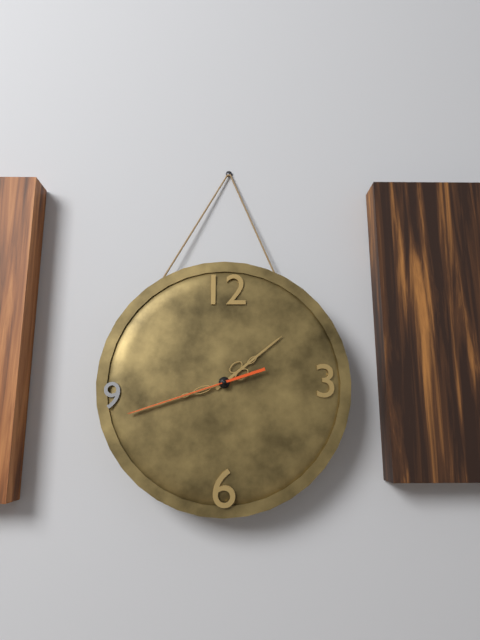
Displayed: 1h42m42s
